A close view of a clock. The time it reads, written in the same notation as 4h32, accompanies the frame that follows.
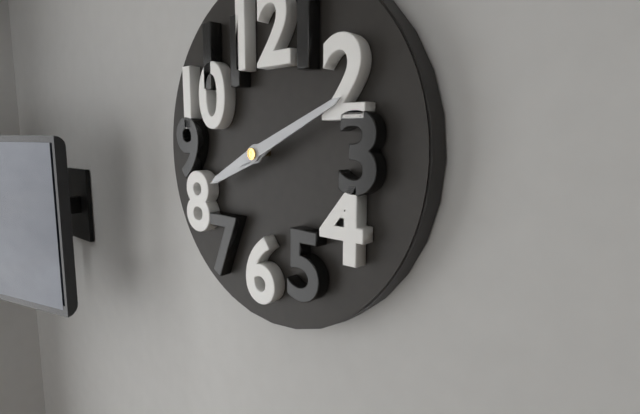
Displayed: 8h11
